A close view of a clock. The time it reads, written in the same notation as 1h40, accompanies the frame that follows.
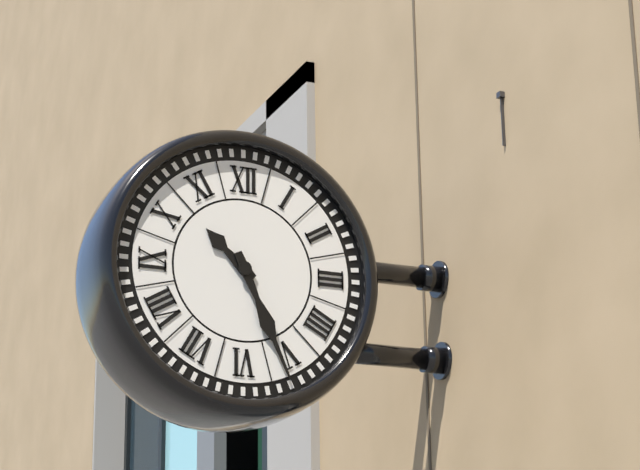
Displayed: 10h26
